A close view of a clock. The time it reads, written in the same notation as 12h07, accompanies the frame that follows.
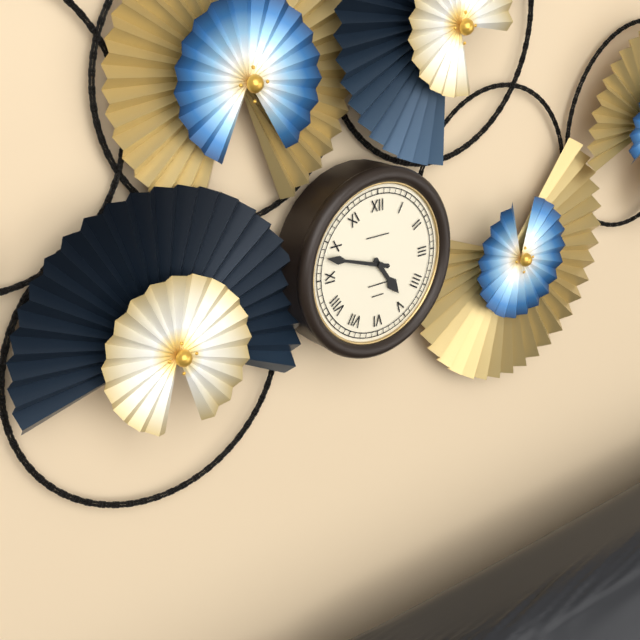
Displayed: 4h48
